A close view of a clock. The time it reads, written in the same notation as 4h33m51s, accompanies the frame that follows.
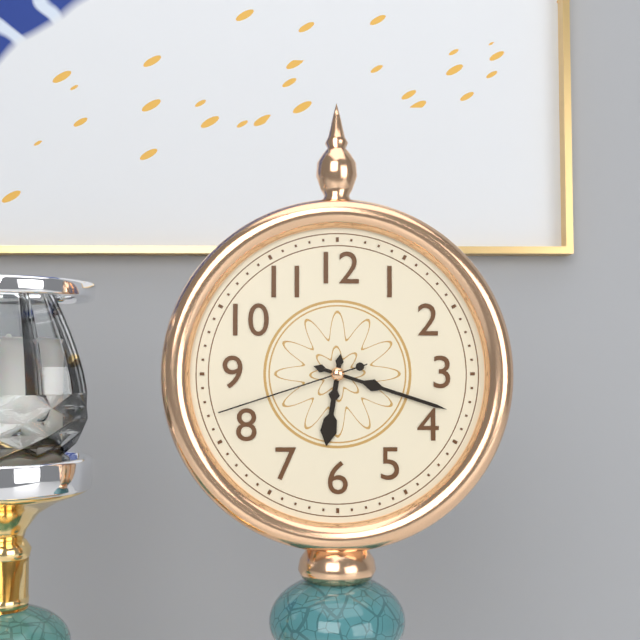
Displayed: 6h18m42s
